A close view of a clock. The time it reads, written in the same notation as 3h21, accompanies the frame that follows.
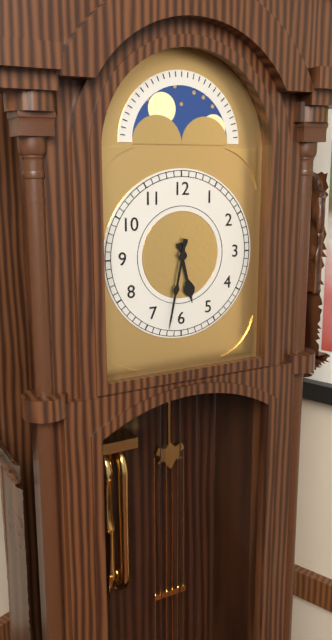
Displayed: 5h32
